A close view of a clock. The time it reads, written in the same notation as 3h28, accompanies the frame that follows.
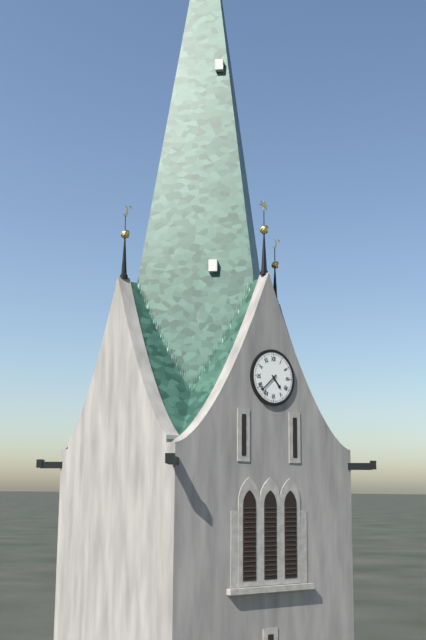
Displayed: 4h38
